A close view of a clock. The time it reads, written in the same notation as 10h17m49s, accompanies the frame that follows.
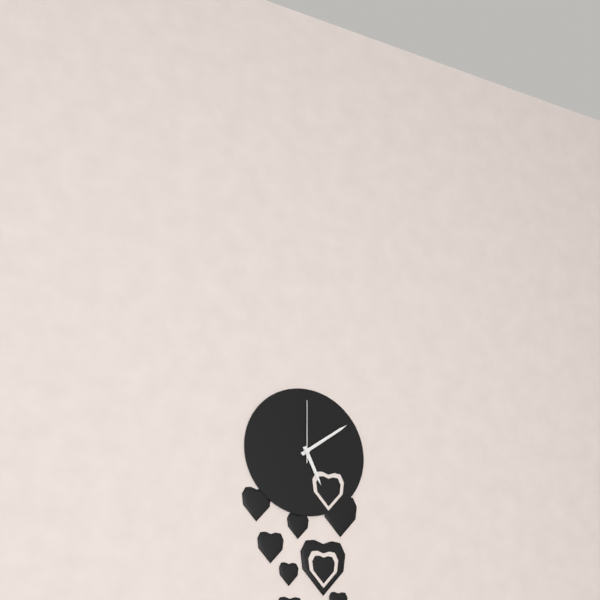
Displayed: 5h09m00s
